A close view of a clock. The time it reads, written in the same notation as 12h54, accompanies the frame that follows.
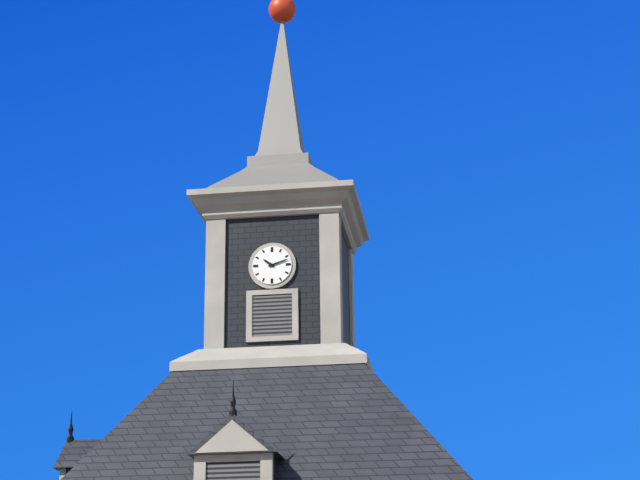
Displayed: 10h12
